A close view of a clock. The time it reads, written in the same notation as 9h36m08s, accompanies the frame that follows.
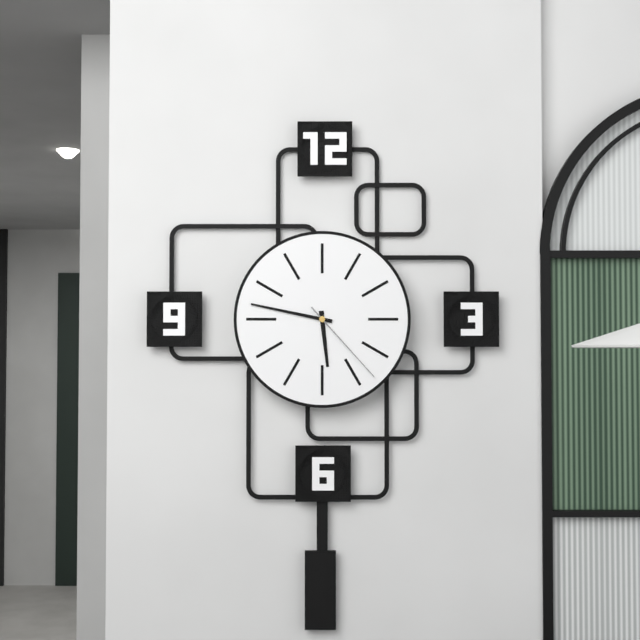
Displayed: 5h47m23s
